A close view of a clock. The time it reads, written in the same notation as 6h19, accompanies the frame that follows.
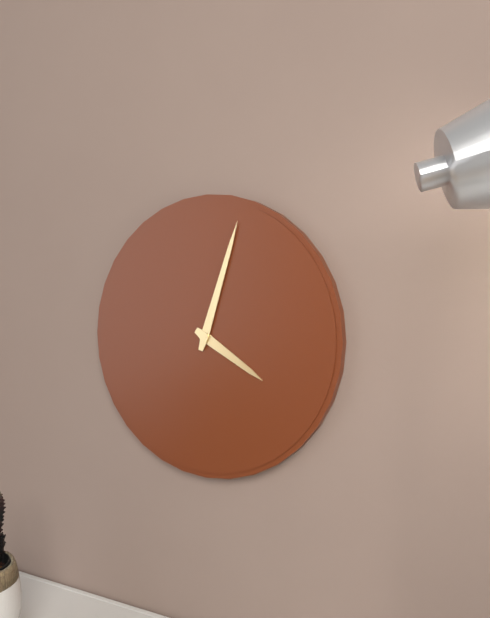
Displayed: 4h03
